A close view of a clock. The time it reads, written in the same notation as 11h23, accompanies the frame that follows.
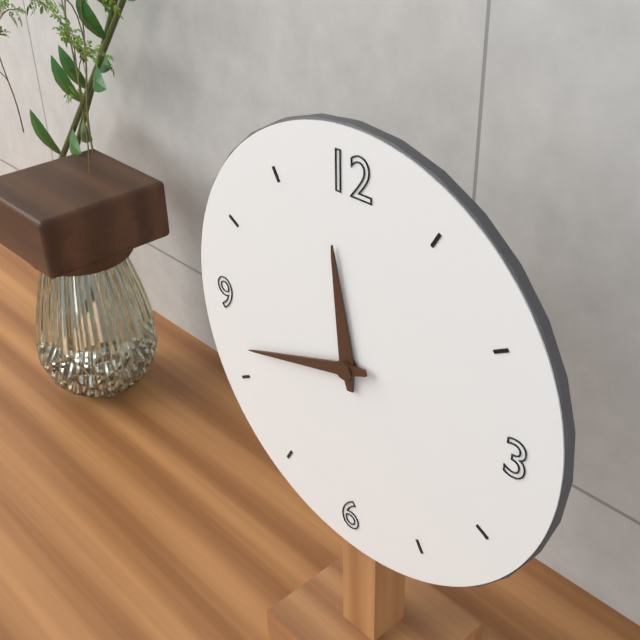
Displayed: 11h42
